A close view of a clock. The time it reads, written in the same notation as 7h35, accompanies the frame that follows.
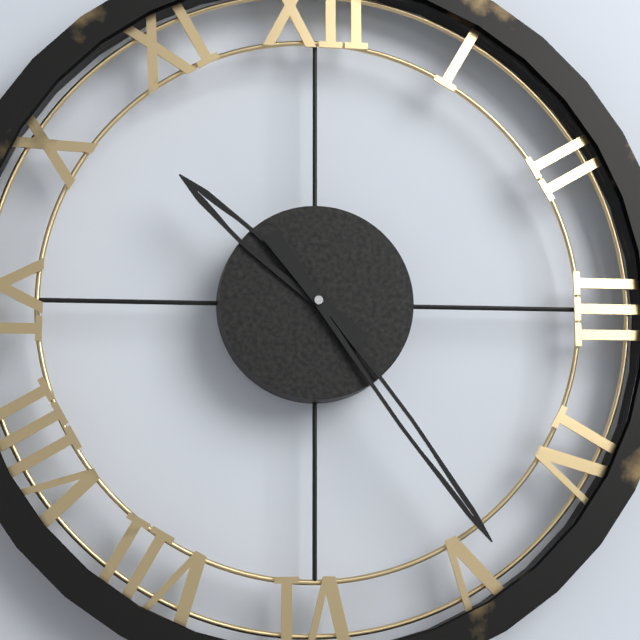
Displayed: 10h24
